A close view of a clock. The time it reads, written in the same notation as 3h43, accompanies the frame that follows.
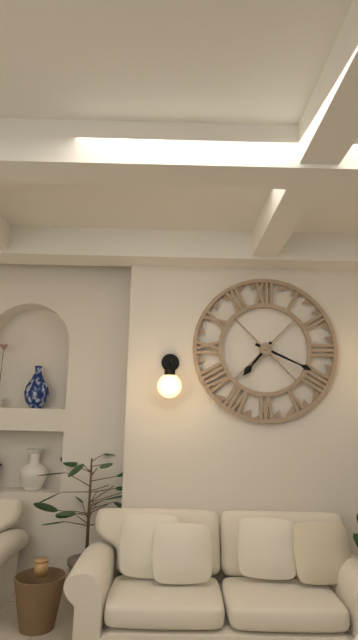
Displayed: 7h19
